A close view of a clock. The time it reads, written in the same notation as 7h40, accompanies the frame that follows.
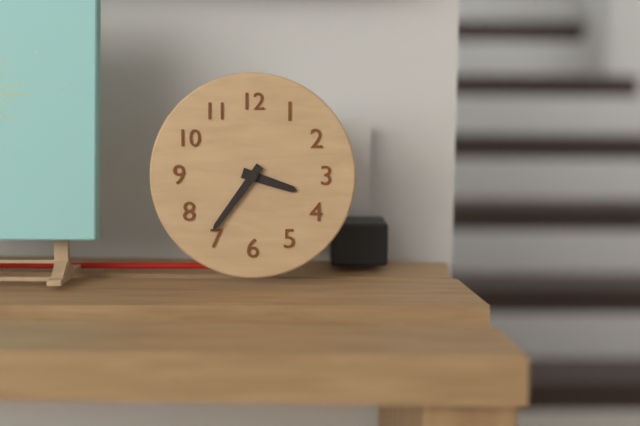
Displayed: 3h36
